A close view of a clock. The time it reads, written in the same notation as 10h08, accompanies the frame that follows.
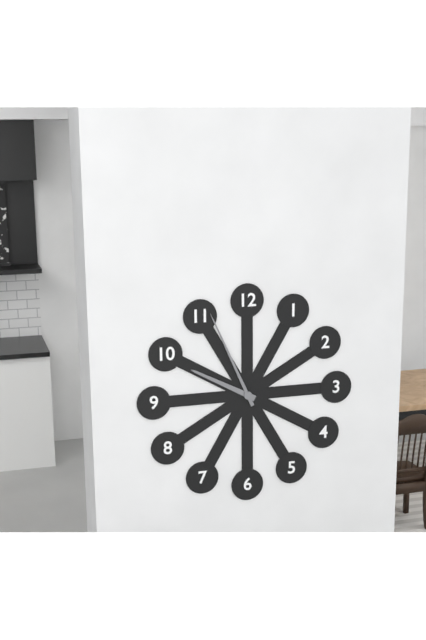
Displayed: 9h56
